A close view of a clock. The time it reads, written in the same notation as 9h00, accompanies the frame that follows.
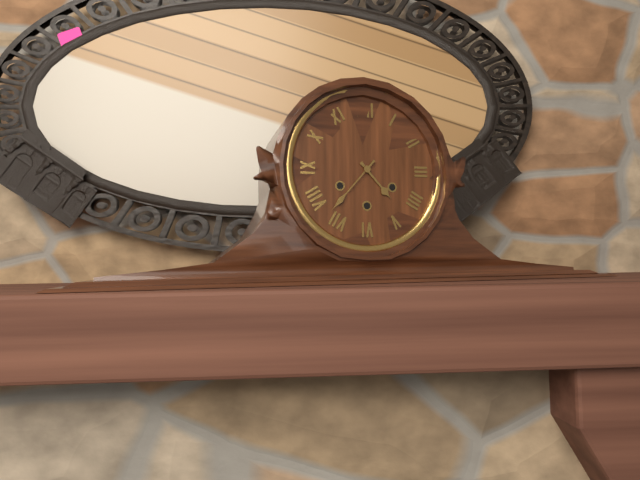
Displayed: 4h37
